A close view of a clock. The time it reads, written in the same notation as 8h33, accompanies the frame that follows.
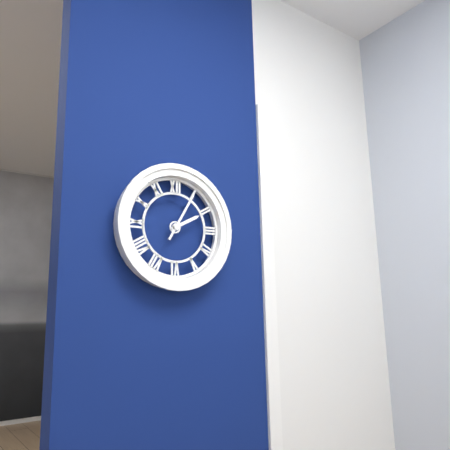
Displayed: 2h05
